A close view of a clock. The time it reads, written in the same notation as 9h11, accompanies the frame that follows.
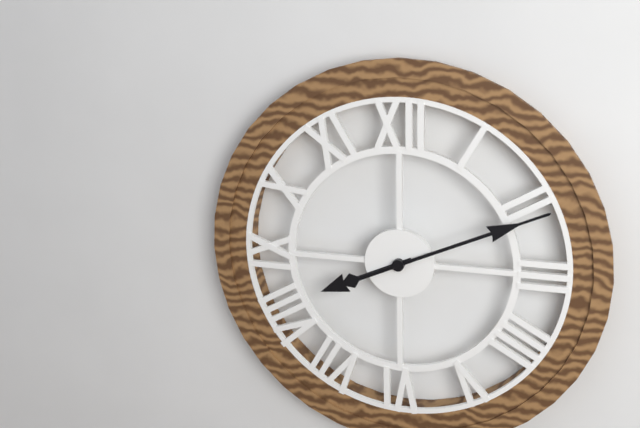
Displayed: 8h11
